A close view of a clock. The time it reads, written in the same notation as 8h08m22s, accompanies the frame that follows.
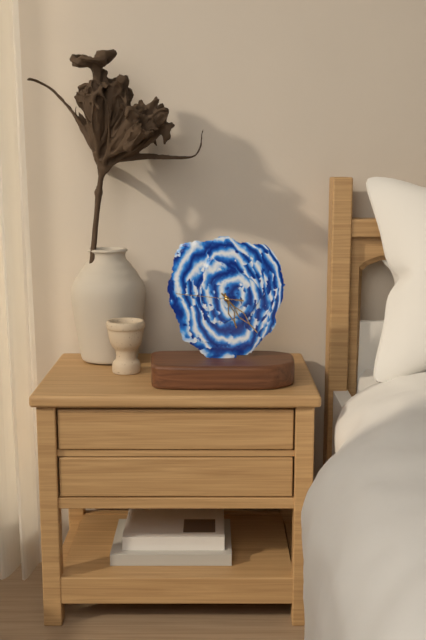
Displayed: 5h23m46s
